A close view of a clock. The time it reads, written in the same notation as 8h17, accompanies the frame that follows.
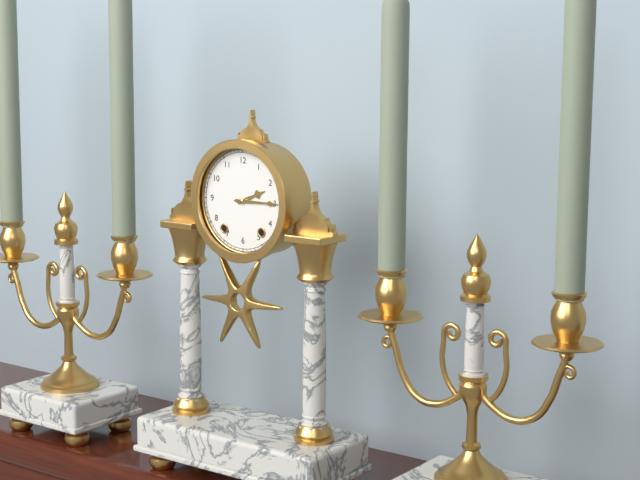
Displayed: 2h15
